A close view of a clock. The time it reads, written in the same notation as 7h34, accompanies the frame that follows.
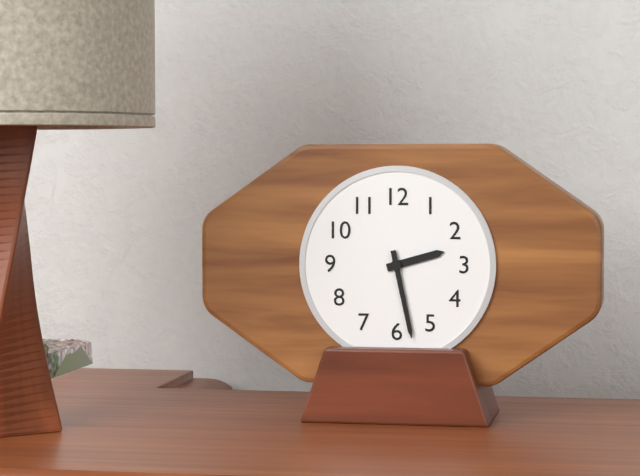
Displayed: 2h28
